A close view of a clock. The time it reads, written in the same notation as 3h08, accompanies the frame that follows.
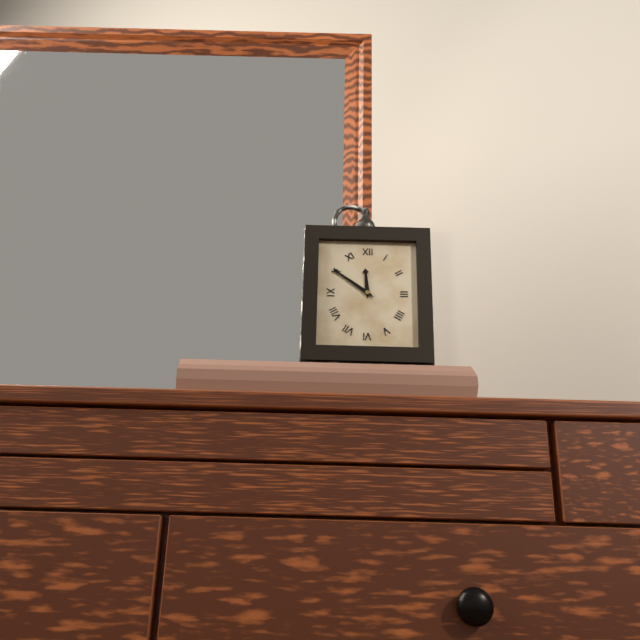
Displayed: 11h51
